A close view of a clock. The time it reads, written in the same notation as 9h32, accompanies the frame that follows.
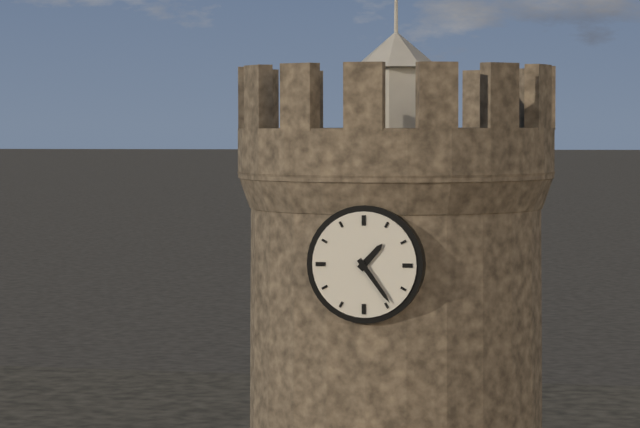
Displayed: 1h24
